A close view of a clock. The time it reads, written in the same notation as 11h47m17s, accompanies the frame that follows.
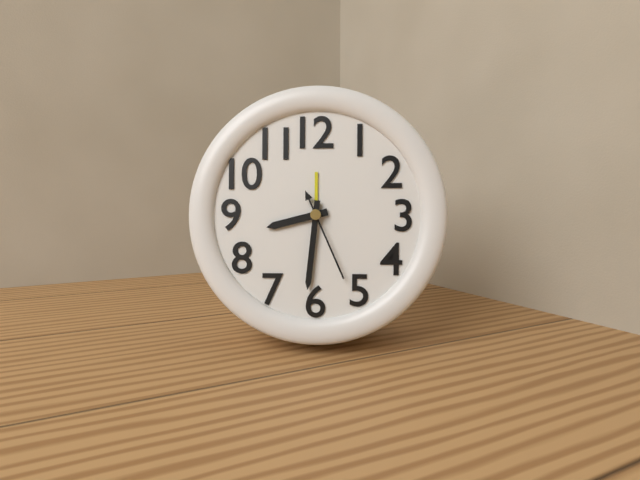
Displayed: 8h31m26s
